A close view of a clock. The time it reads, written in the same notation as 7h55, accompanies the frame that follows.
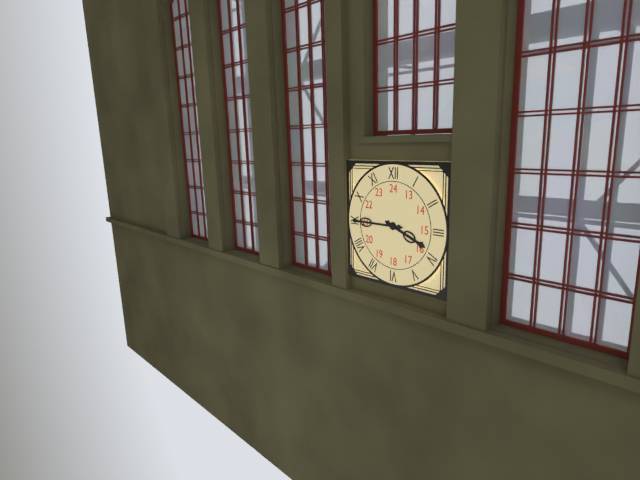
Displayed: 3h45
